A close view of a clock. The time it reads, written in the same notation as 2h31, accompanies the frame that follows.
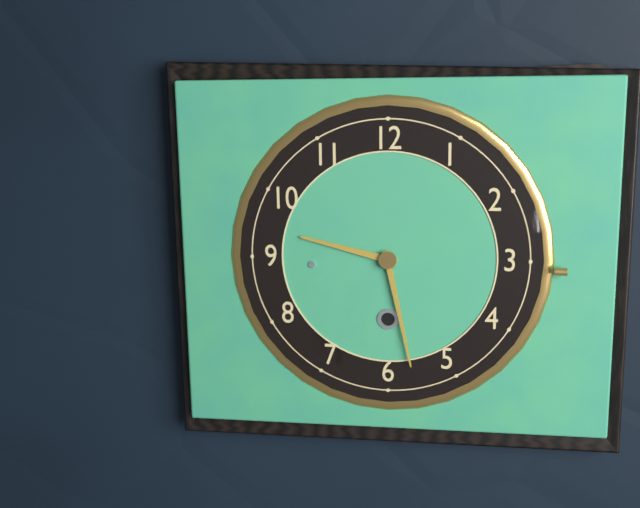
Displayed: 9h28
